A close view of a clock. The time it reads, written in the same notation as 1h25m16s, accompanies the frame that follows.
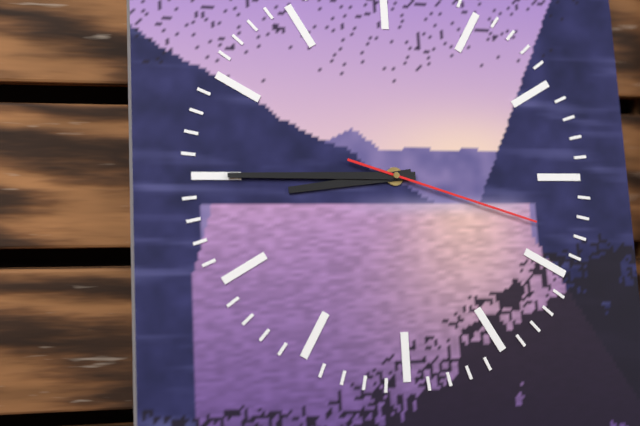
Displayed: 8h45m18s
